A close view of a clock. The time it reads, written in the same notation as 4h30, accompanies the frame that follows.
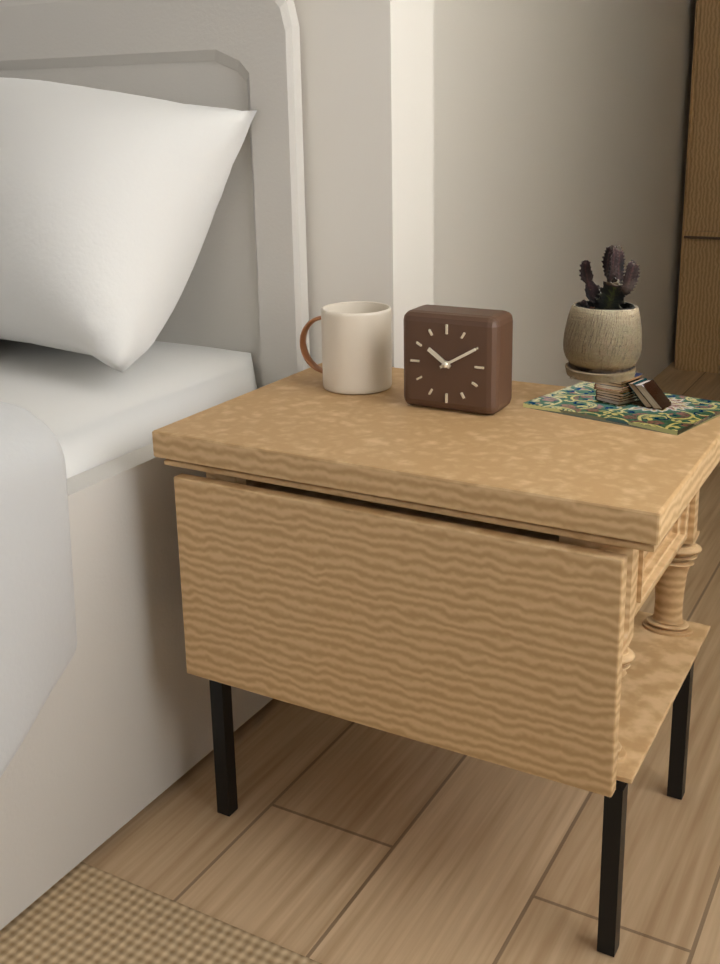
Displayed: 10h10
